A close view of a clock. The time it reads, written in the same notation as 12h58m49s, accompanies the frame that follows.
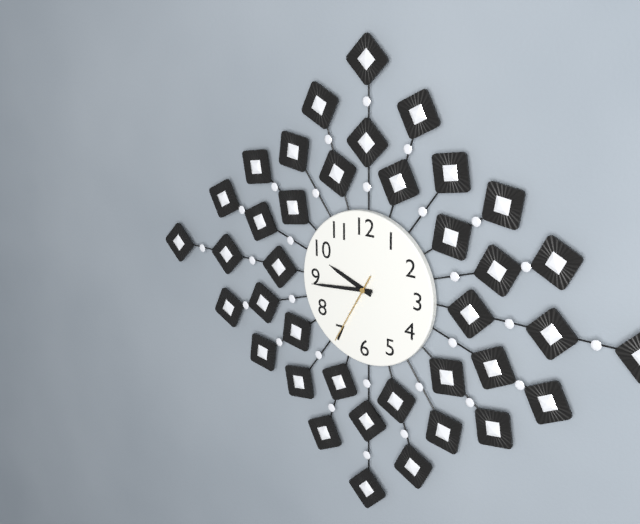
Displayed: 9h44m35s
